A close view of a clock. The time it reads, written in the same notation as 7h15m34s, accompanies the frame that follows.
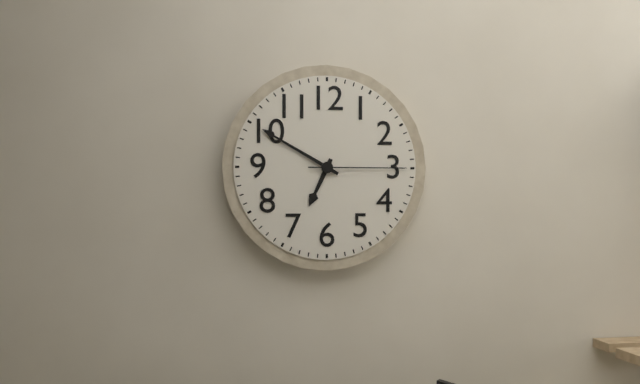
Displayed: 6h50m15s
